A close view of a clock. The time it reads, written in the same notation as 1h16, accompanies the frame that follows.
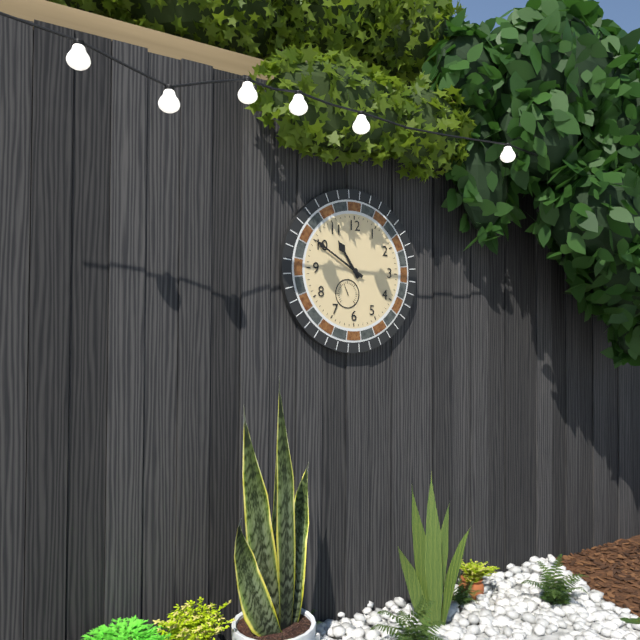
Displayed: 10h50
